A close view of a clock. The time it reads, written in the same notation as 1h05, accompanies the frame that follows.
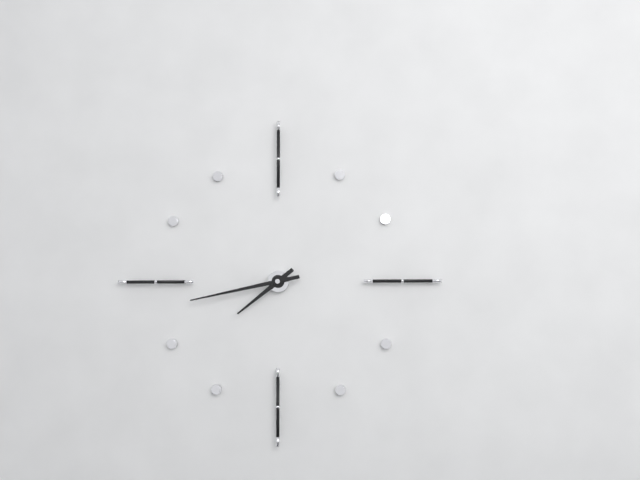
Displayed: 7h43
